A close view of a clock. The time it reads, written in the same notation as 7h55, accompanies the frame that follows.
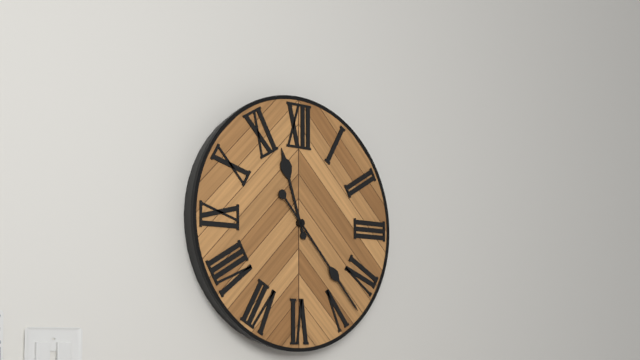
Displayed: 11h23
